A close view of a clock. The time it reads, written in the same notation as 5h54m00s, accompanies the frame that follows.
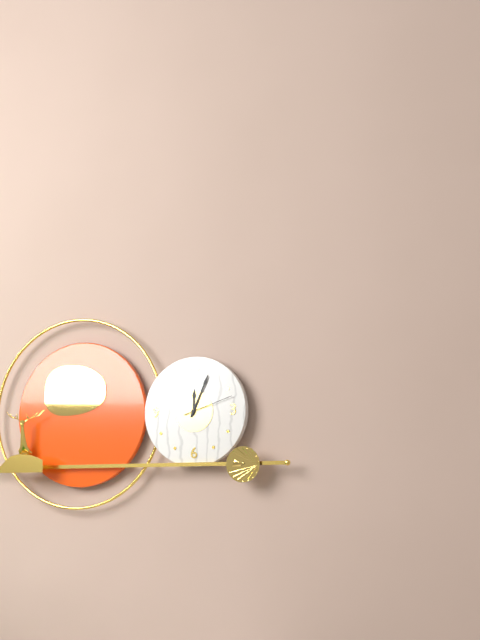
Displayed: 12h04m12s
